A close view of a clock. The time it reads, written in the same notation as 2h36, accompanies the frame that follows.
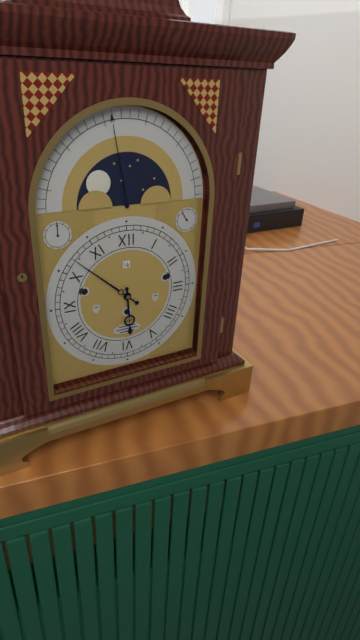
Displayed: 5h52
